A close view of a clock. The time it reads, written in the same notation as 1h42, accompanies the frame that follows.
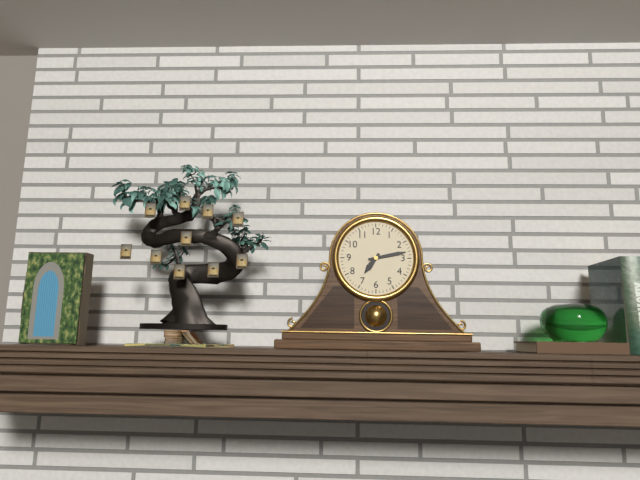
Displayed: 7h13
